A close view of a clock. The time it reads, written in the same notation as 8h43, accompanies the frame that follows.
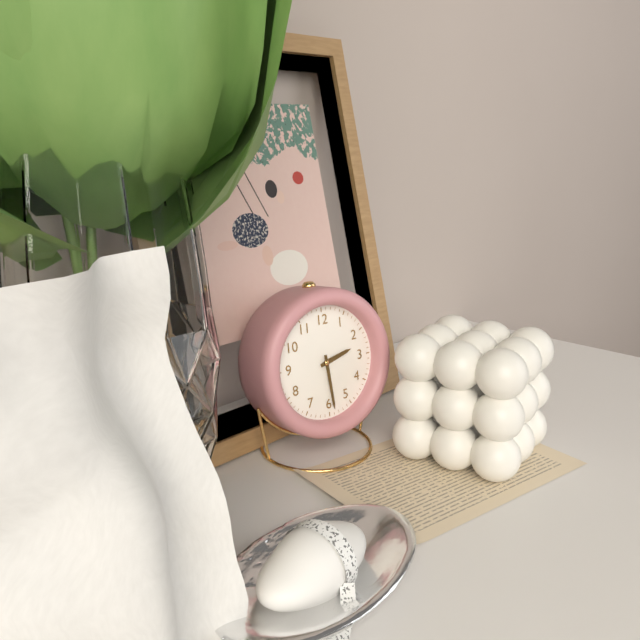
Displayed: 2h29
